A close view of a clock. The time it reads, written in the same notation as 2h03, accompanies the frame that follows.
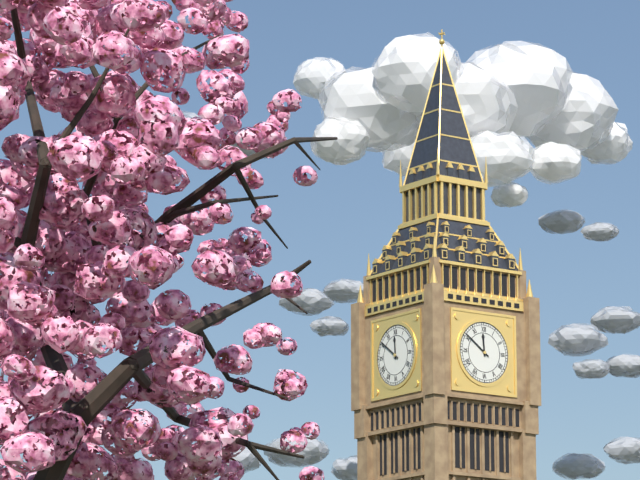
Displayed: 11h51
